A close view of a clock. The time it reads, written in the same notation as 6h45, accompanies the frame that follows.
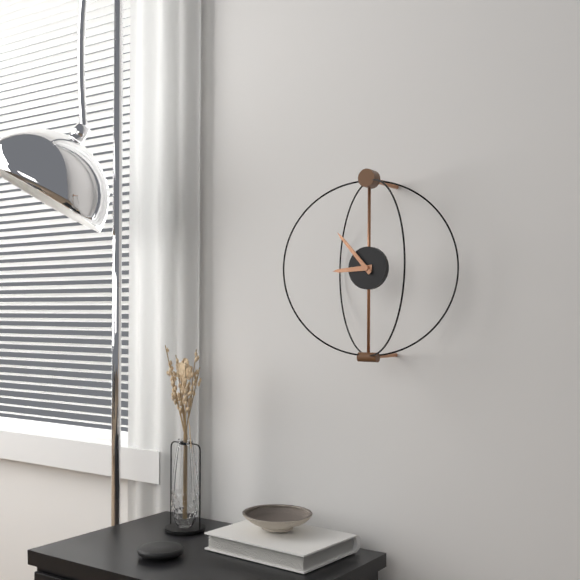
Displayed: 8h53
